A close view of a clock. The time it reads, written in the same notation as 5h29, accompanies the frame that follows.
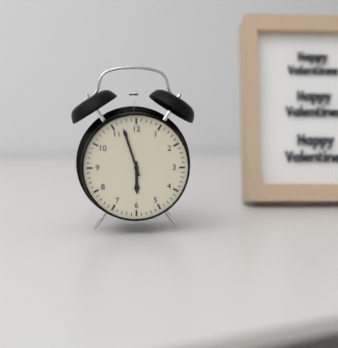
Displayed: 5h57
